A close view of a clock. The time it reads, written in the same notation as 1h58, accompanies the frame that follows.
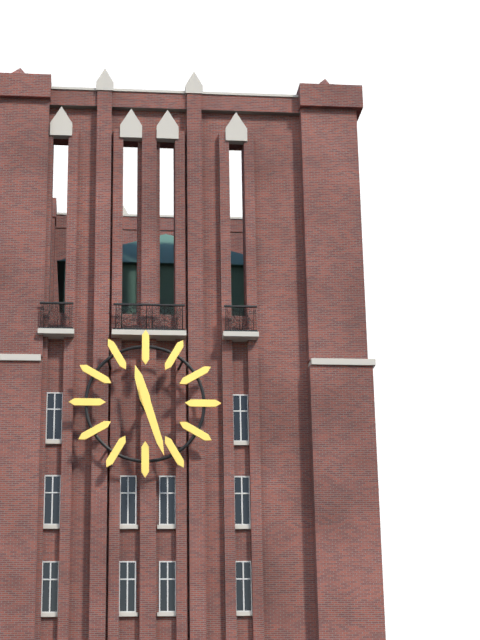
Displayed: 11h27
